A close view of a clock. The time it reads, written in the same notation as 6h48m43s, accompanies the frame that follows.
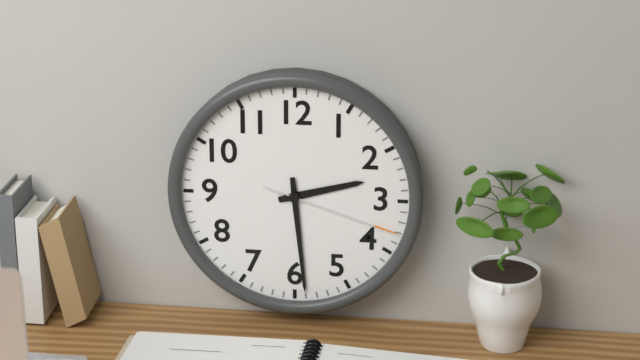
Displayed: 2h29m18s
